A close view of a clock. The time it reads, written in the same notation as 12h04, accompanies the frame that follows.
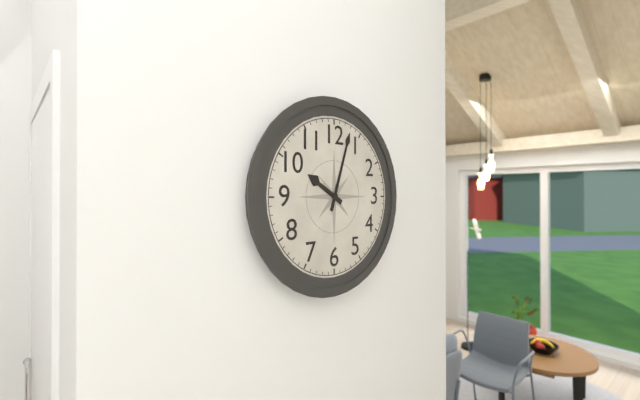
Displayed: 10h03
